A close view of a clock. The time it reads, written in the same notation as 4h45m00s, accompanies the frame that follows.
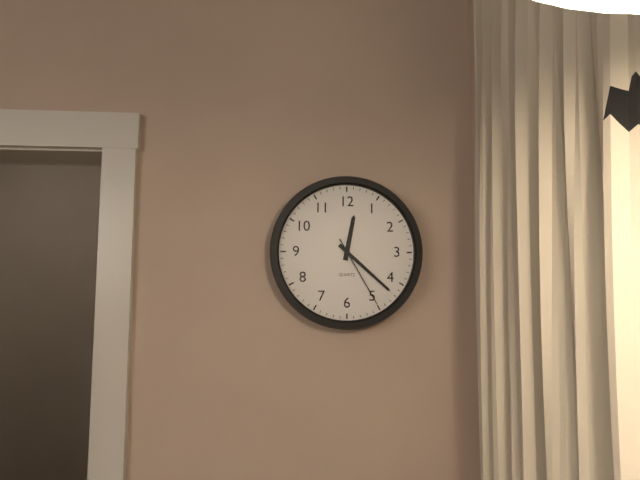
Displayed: 12h22m25s
